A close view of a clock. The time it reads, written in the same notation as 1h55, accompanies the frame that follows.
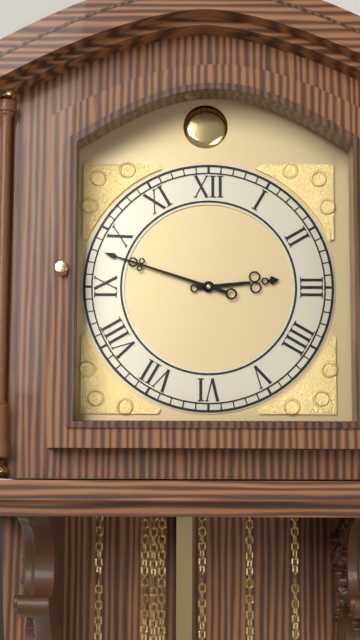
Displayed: 2h48
